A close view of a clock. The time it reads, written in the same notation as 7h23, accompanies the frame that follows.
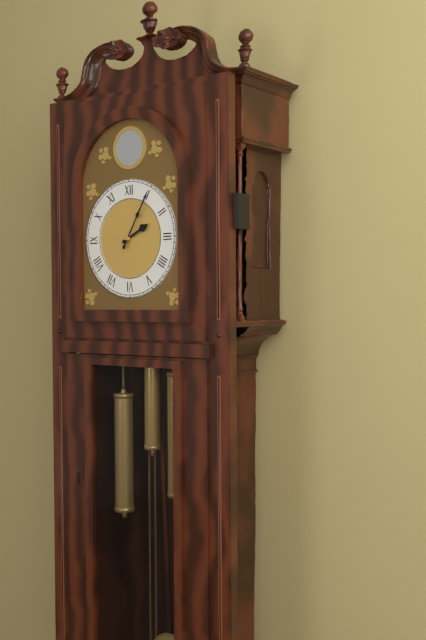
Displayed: 2h05
